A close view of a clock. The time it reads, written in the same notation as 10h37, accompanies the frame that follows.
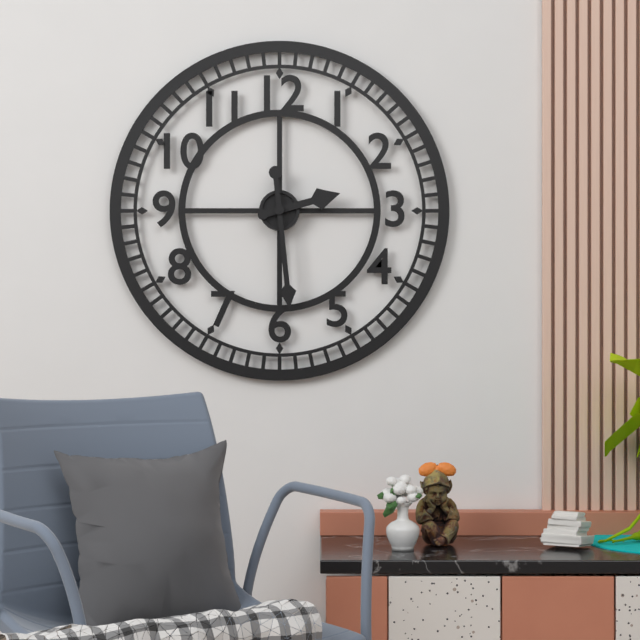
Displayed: 2h29
